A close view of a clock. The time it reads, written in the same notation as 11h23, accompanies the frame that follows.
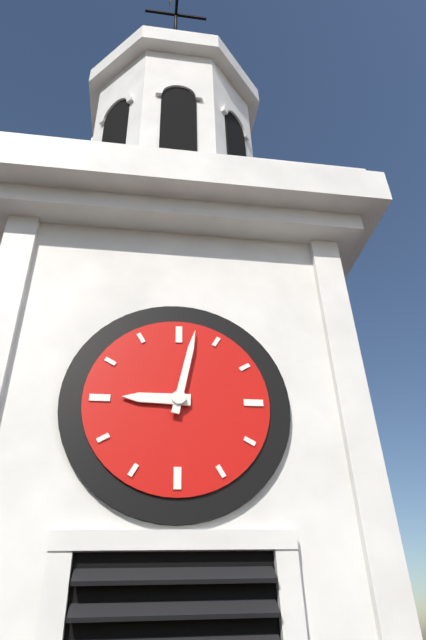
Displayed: 9h02
